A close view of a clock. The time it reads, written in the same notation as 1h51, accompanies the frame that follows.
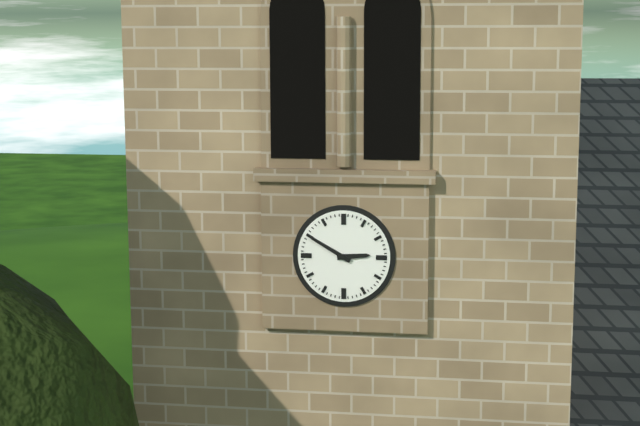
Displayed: 2h50
